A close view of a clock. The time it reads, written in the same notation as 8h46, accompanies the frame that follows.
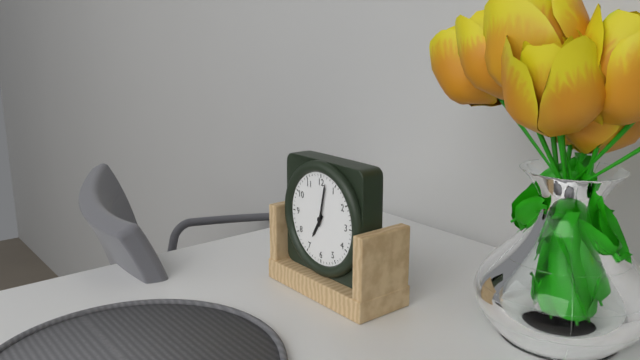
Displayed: 7h02
